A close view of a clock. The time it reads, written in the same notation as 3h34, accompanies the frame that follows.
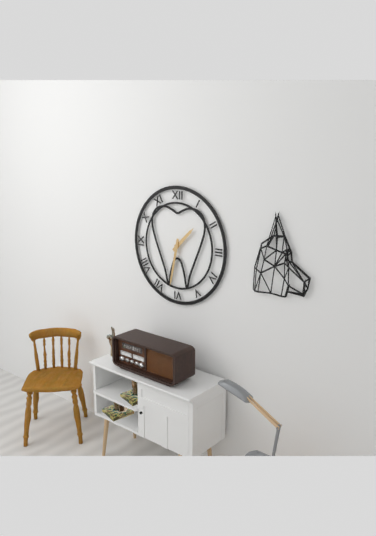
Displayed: 1h32
